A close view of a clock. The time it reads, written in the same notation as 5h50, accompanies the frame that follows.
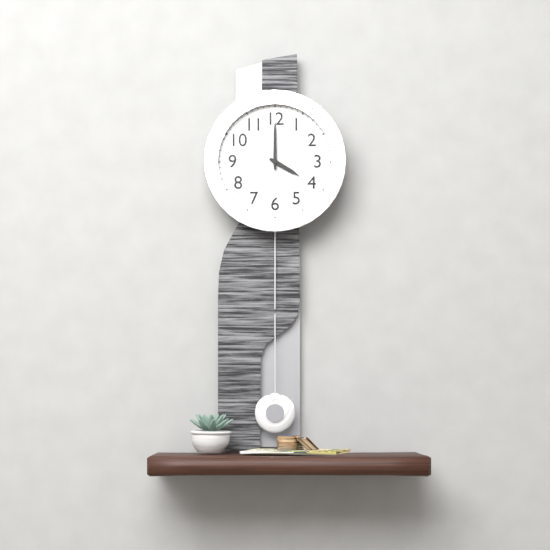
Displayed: 4h00
